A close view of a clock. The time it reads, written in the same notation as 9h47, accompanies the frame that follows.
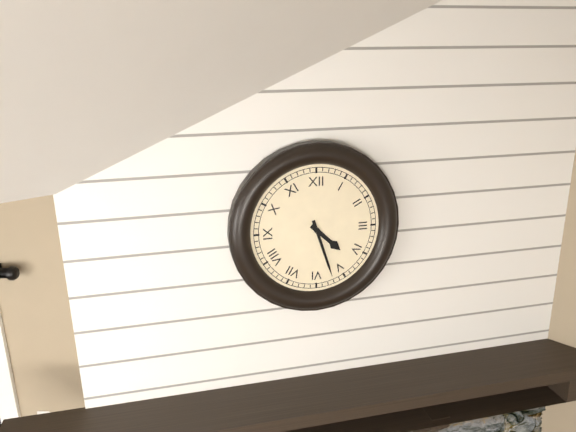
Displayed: 4h27
